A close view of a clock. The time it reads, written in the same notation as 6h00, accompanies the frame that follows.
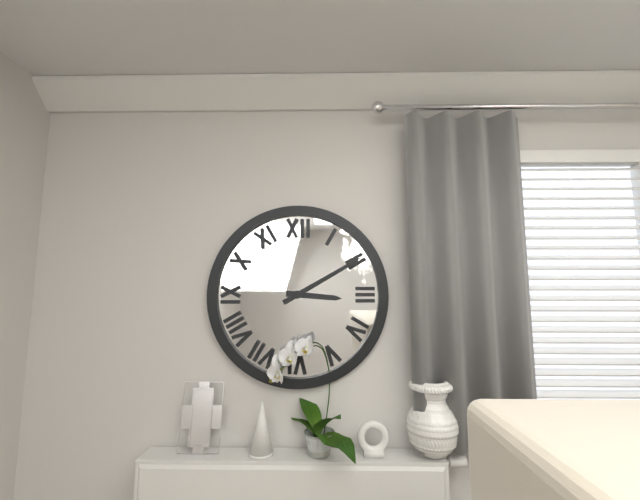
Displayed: 3h10
